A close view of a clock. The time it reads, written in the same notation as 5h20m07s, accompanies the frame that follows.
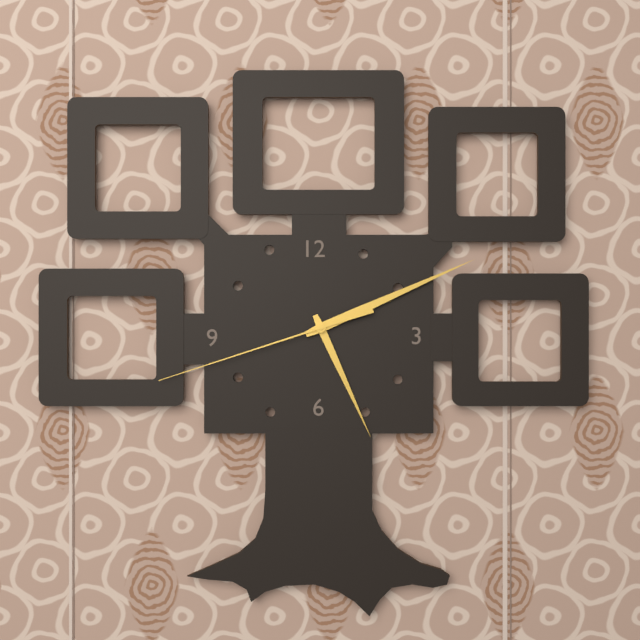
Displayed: 5h11m42s
